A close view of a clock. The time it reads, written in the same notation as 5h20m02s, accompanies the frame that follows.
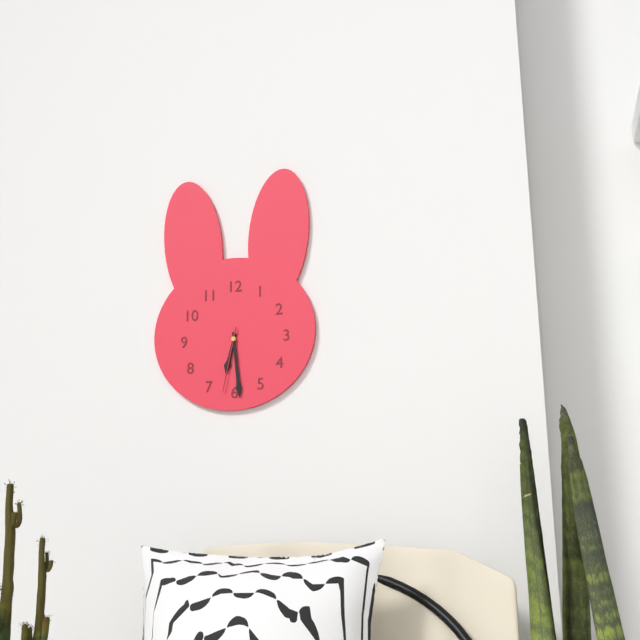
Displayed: 6h29m32s
